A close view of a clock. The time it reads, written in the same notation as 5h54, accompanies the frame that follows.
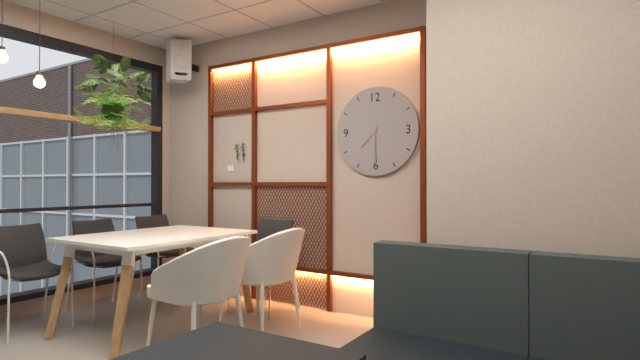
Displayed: 7h30
